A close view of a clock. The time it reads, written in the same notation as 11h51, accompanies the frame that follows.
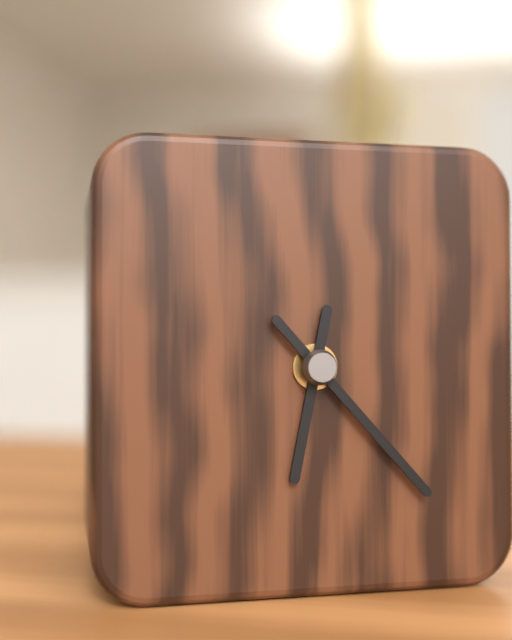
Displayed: 6h23
